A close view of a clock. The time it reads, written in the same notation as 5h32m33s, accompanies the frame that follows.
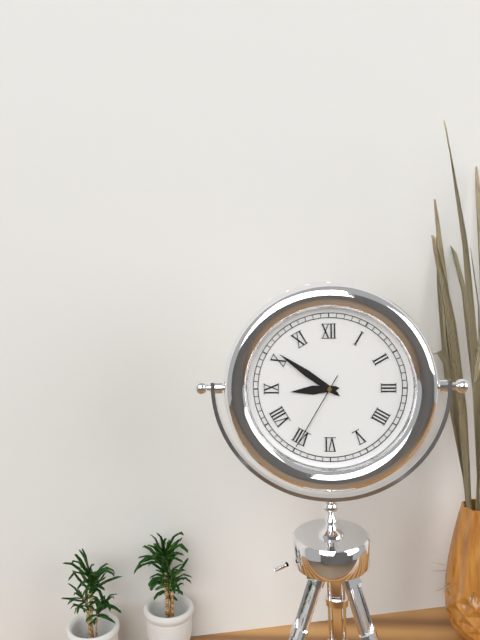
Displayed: 8h51m35s
